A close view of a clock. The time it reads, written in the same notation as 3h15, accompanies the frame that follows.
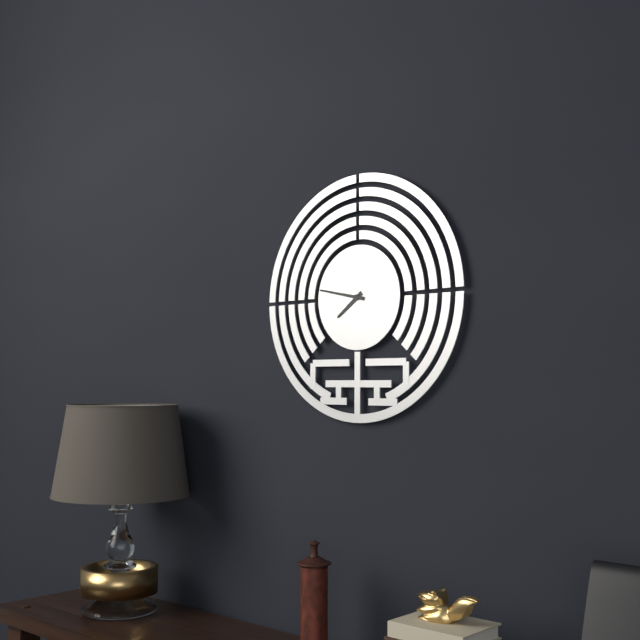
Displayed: 7h47
